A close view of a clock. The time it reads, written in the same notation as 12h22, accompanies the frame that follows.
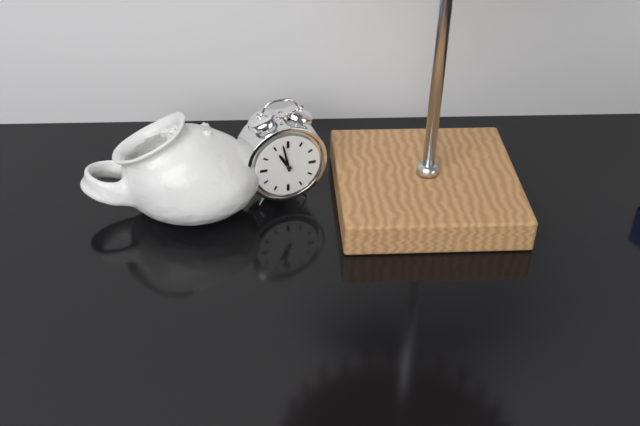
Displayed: 10h58
